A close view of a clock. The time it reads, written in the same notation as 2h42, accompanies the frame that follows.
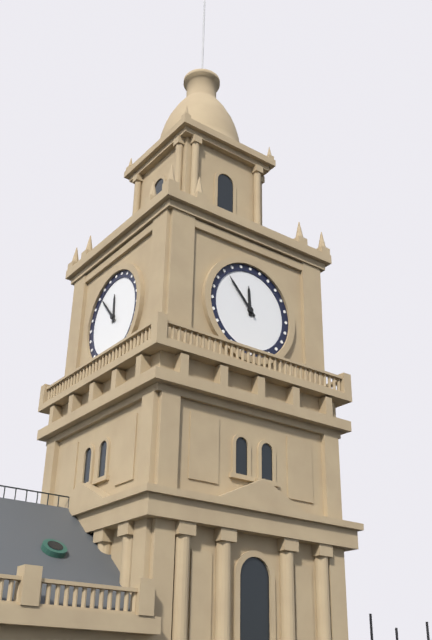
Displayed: 11h53
